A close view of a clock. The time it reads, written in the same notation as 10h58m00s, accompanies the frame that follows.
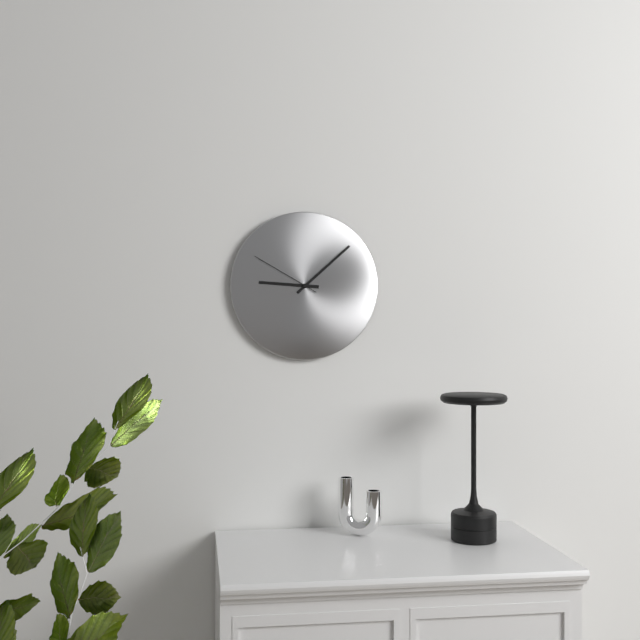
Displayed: 9h08m50s
